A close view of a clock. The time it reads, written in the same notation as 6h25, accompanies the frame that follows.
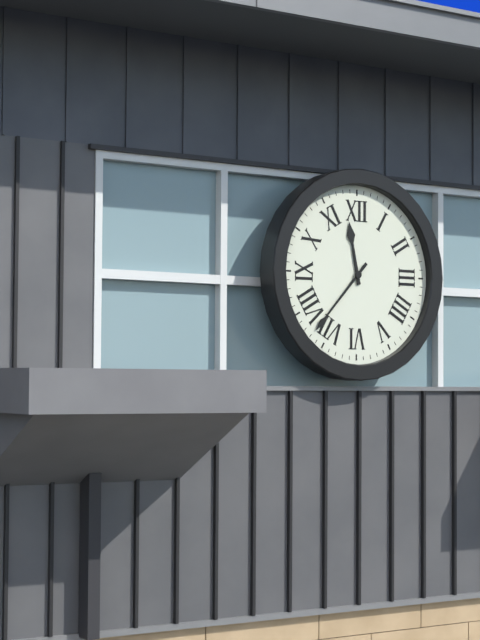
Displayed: 11h37
